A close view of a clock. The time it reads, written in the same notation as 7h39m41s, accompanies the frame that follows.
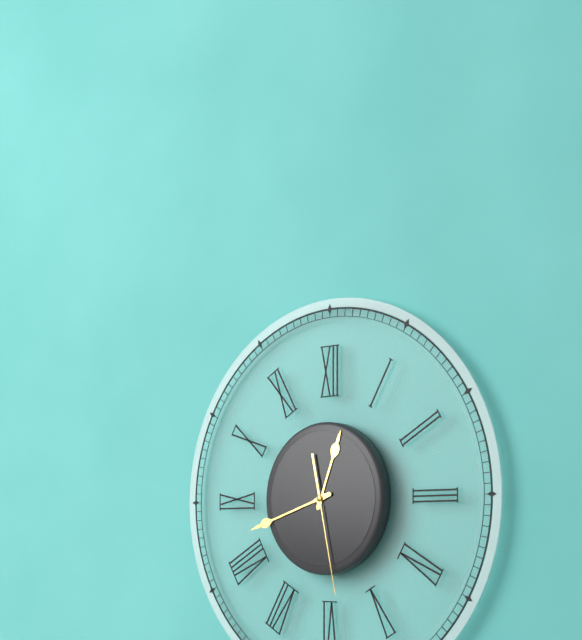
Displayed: 12h42m28s
